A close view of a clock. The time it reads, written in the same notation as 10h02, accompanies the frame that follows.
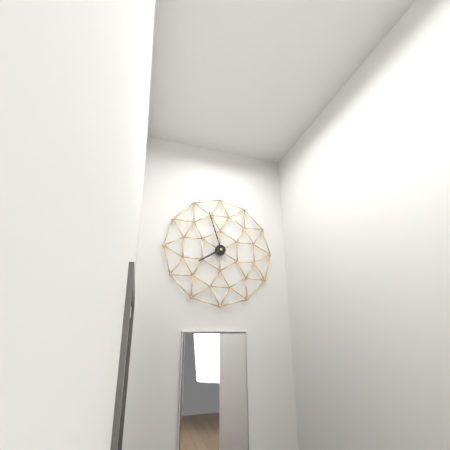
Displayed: 7h57
